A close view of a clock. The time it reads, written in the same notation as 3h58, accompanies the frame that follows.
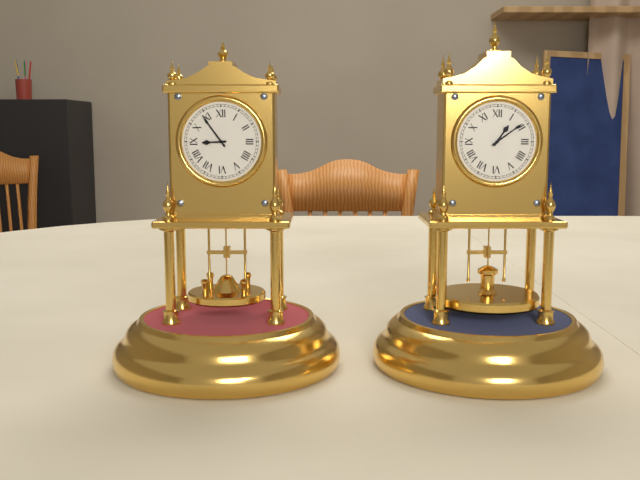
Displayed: 8h54
